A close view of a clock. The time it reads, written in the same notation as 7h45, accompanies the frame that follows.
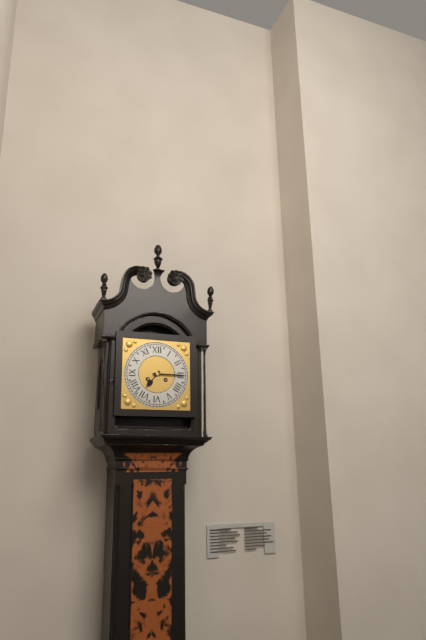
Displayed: 7h15
